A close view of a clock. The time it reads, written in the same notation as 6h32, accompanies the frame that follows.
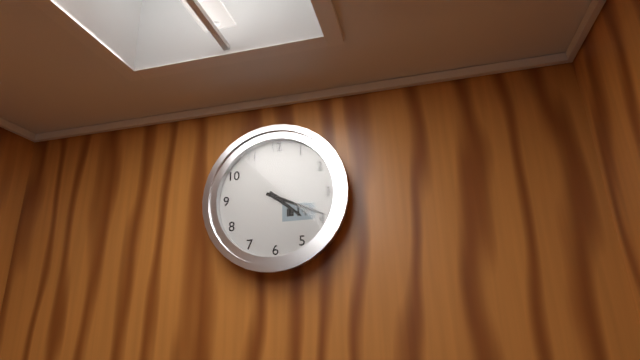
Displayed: 4h19
